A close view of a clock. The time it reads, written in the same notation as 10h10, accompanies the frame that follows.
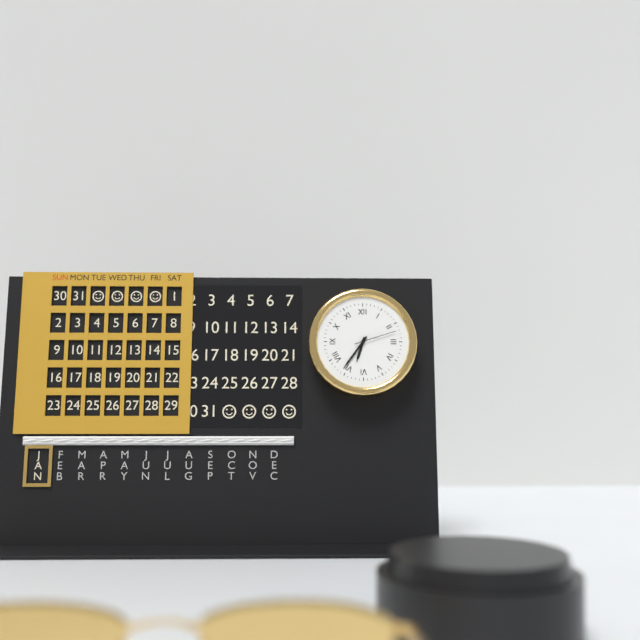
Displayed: 6h36
